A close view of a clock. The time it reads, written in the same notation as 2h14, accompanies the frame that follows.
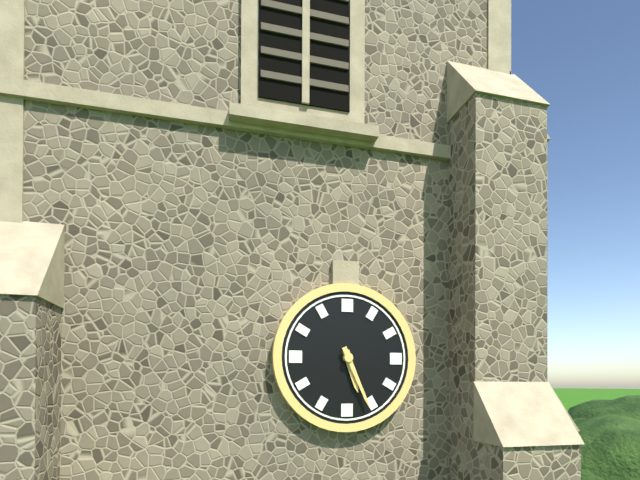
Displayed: 5h26
